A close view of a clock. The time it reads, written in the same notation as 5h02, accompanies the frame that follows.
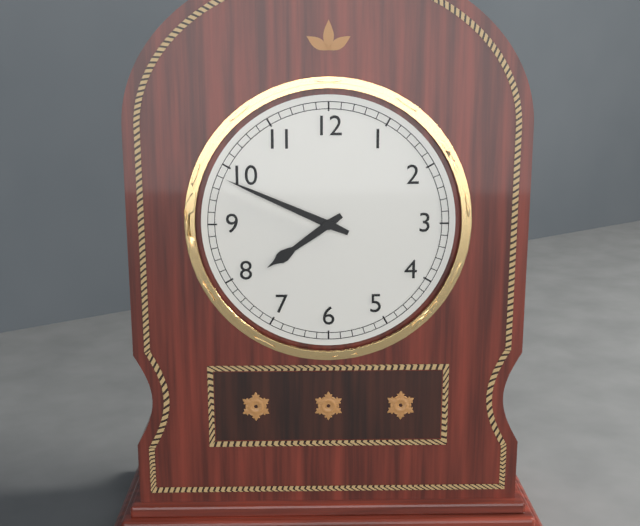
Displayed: 7h49
